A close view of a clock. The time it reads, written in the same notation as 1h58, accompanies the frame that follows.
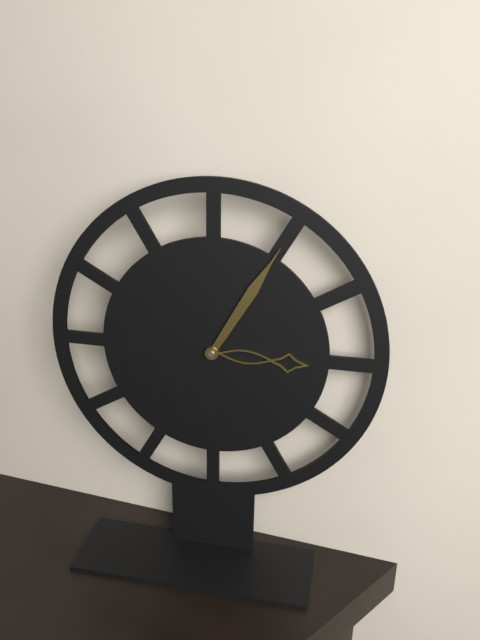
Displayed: 3h05
